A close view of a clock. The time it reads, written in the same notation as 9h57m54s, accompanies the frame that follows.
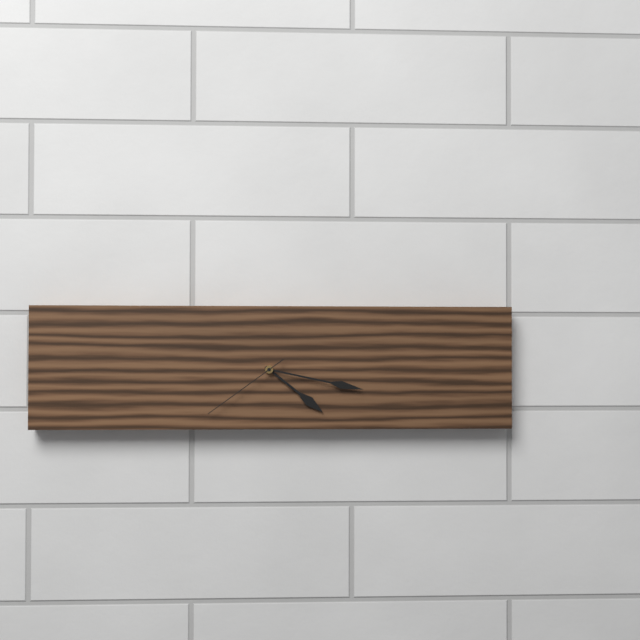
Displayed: 4h17m39s
